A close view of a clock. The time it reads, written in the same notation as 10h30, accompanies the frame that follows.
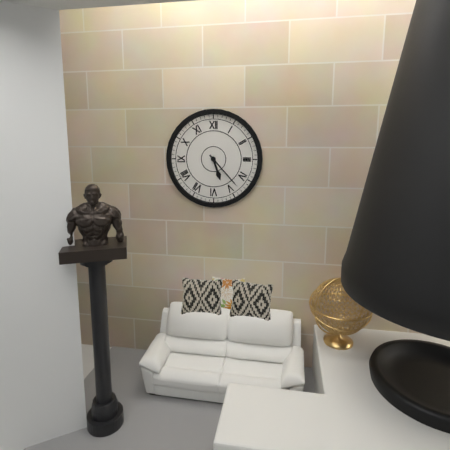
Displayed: 5h23
